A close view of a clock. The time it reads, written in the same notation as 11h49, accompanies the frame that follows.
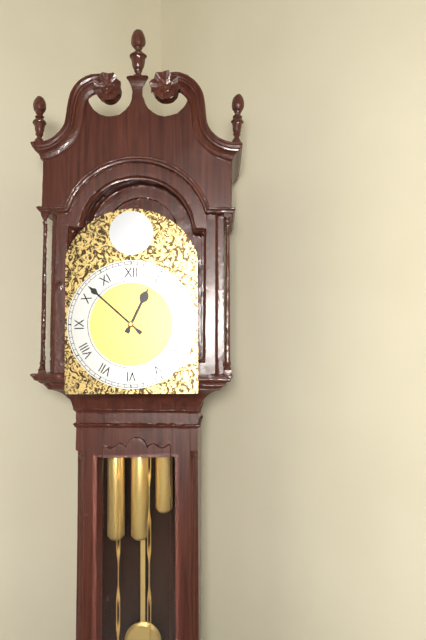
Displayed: 12h52
